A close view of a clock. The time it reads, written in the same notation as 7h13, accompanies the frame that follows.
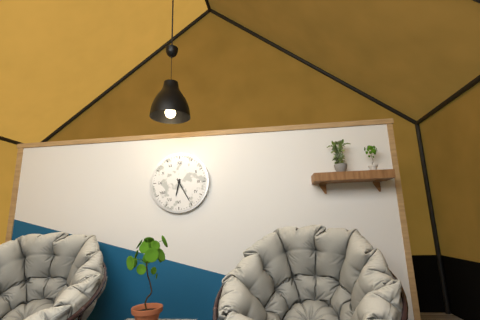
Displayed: 6h25
